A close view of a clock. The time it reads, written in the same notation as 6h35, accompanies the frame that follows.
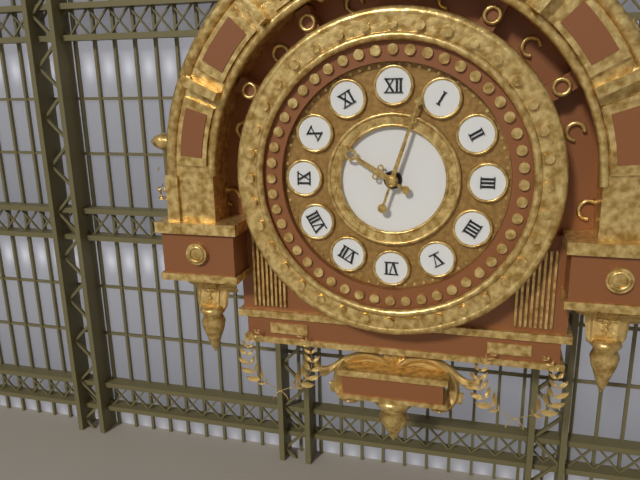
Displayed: 10h03
